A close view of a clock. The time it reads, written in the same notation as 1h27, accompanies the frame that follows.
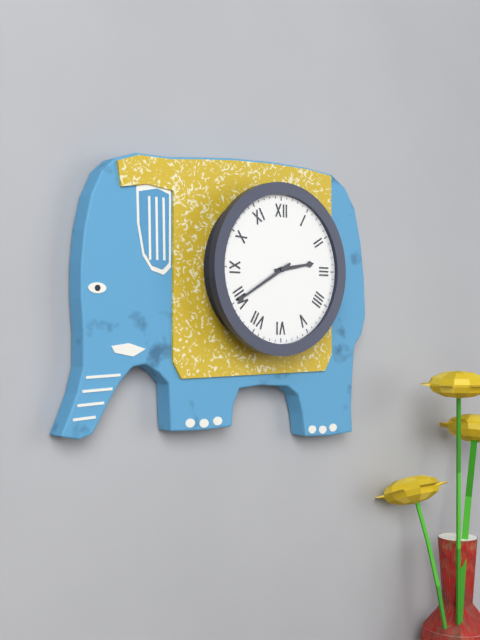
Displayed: 2h40
